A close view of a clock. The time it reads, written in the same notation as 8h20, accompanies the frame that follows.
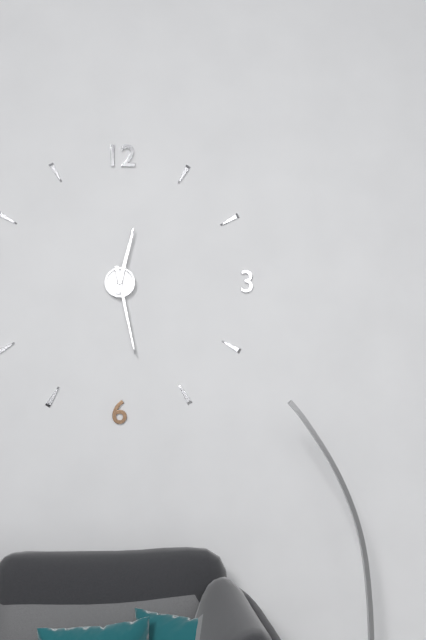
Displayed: 12h28
